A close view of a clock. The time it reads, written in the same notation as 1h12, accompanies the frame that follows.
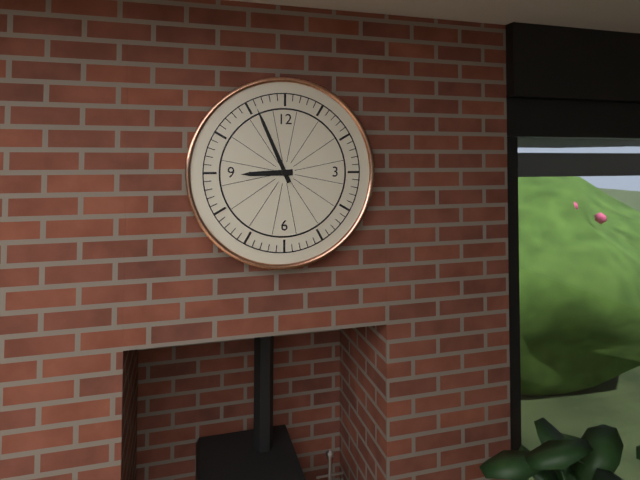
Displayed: 8h56
